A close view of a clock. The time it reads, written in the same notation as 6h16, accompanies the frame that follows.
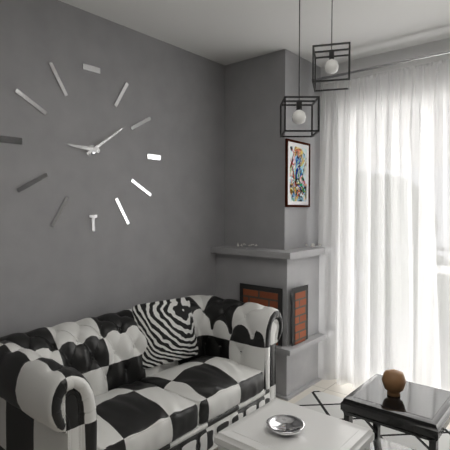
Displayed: 9h09
